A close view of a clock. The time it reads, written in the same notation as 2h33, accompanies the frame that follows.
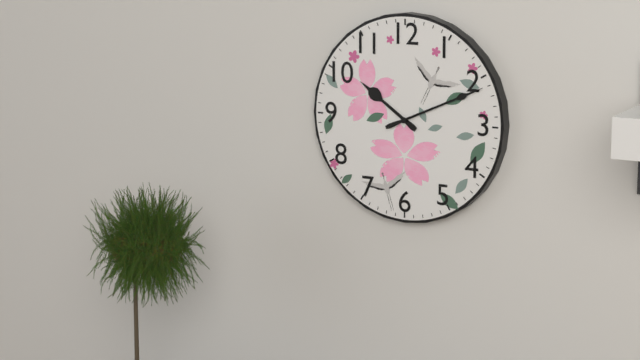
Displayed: 10h11
